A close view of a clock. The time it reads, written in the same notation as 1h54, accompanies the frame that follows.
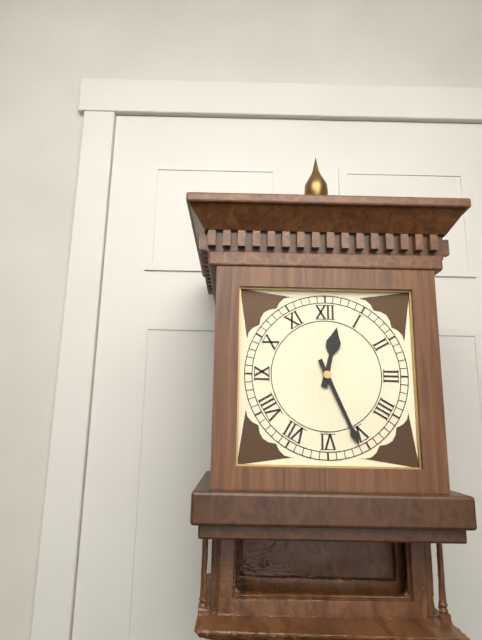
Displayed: 12h26
